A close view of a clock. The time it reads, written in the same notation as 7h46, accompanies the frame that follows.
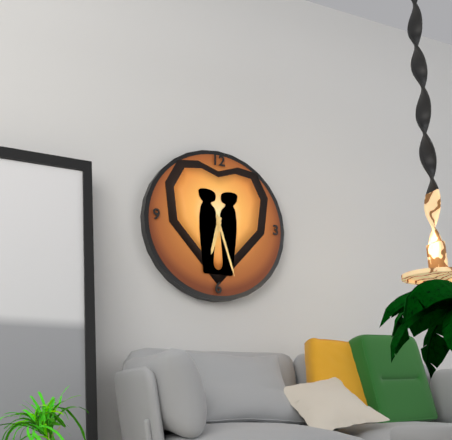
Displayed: 6h27
